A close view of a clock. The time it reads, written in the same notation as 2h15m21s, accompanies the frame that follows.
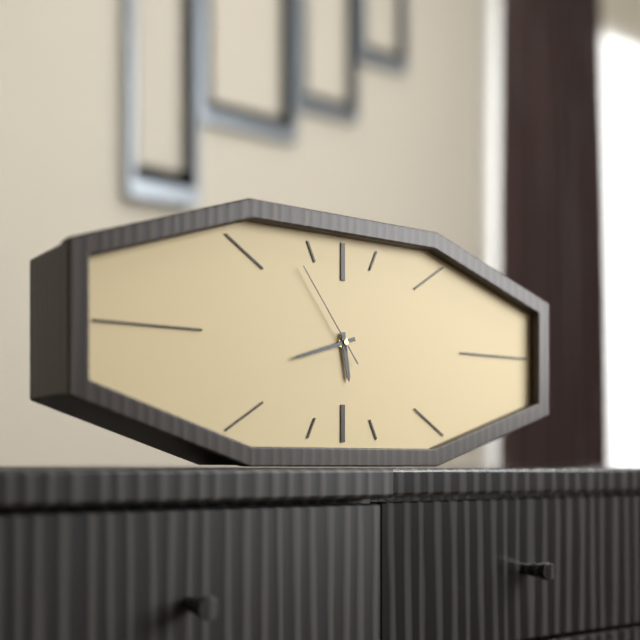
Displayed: 5h42m54s
